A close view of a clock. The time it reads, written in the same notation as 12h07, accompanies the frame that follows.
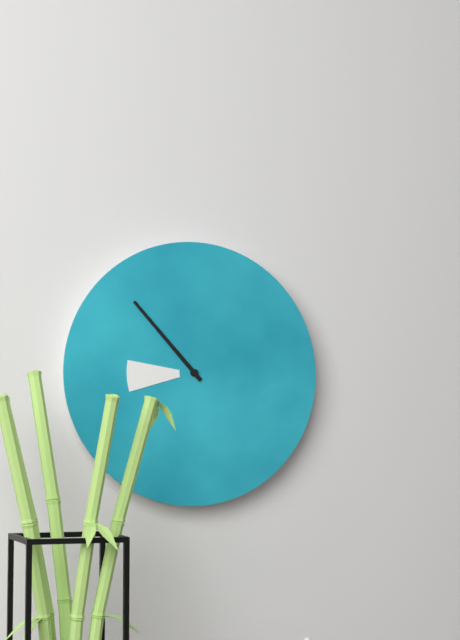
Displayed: 8h53
